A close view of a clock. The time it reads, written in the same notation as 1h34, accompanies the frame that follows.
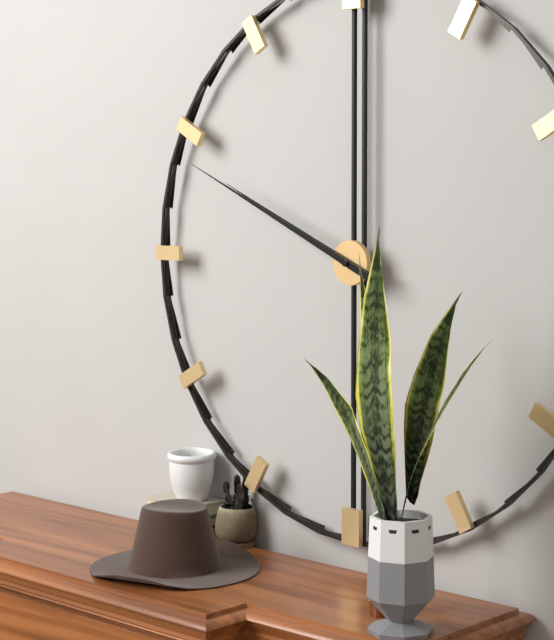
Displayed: 9h49
